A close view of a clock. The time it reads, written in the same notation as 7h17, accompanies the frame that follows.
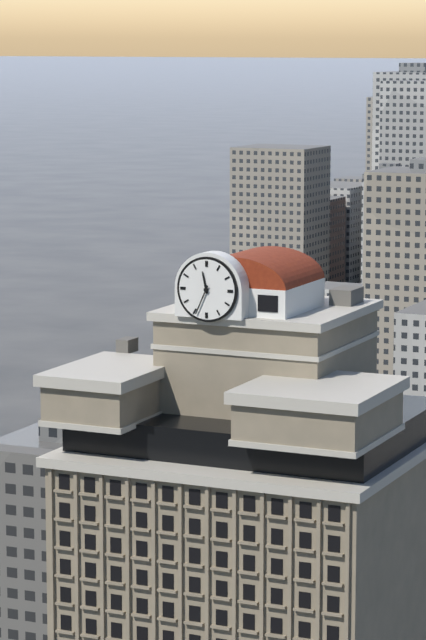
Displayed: 11h34
